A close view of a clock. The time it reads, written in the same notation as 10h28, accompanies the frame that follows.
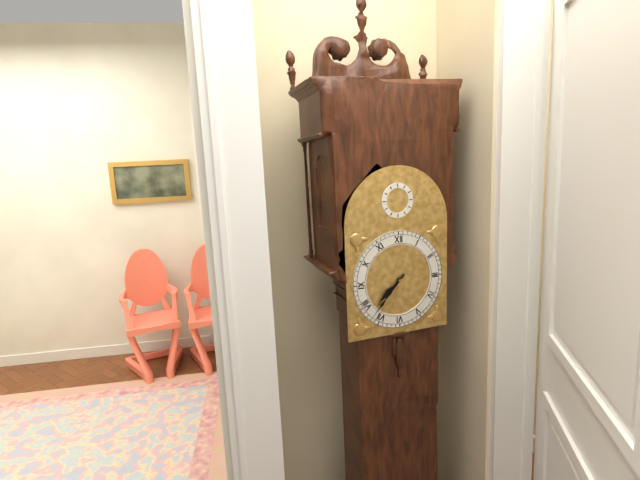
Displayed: 7h37
